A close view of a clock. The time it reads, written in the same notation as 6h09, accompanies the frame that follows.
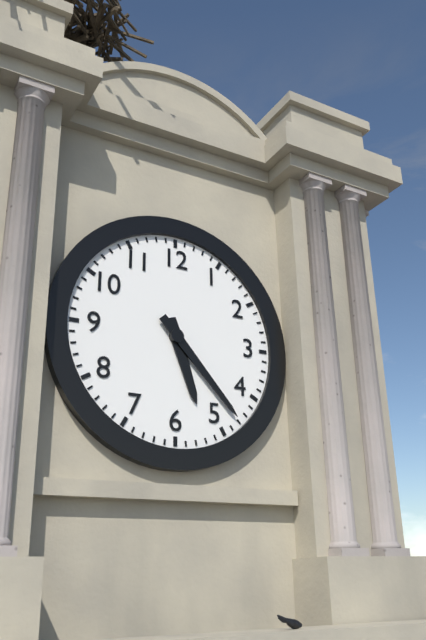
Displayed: 5h23
